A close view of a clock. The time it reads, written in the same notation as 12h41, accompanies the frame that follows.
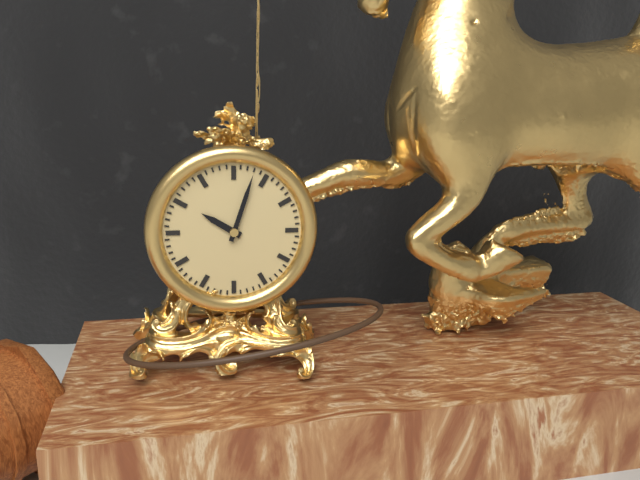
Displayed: 10h03
